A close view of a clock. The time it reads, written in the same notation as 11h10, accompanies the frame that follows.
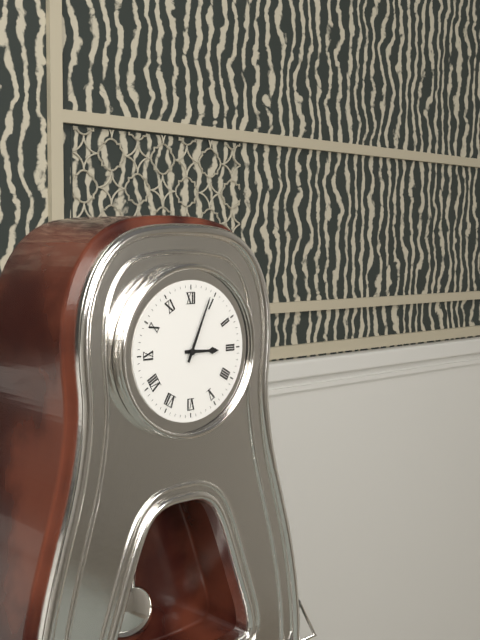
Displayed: 3h04
